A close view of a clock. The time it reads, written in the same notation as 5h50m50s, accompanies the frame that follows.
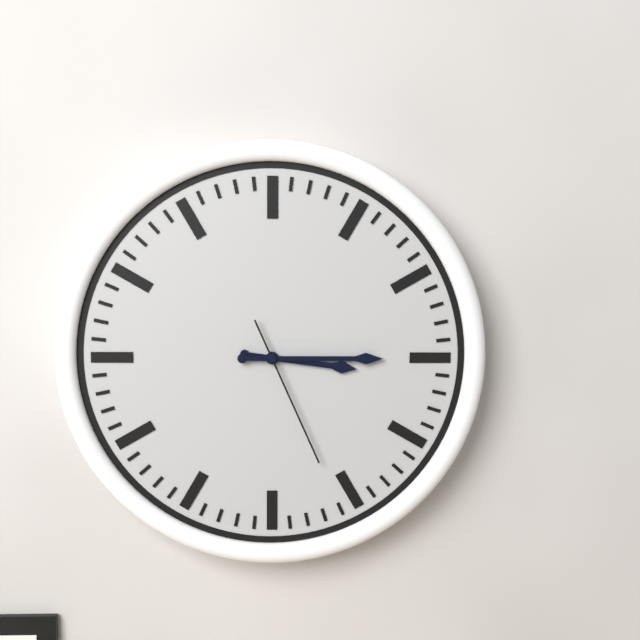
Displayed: 3h15m26s
